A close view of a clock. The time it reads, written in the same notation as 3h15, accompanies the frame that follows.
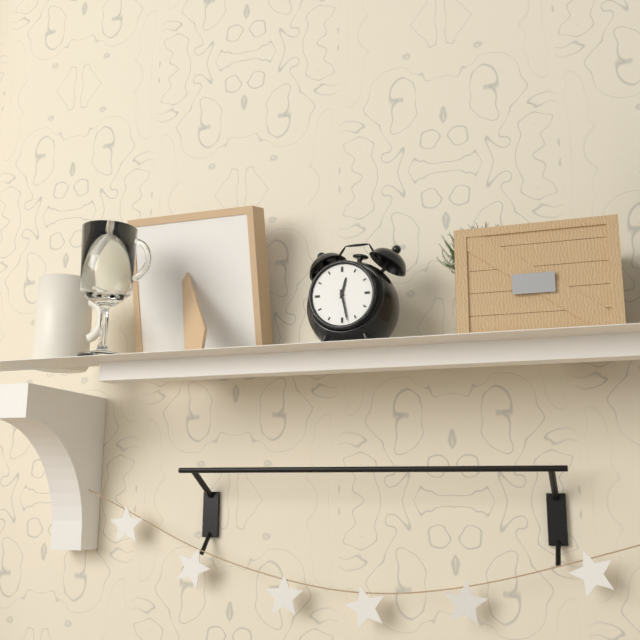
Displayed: 12h28
